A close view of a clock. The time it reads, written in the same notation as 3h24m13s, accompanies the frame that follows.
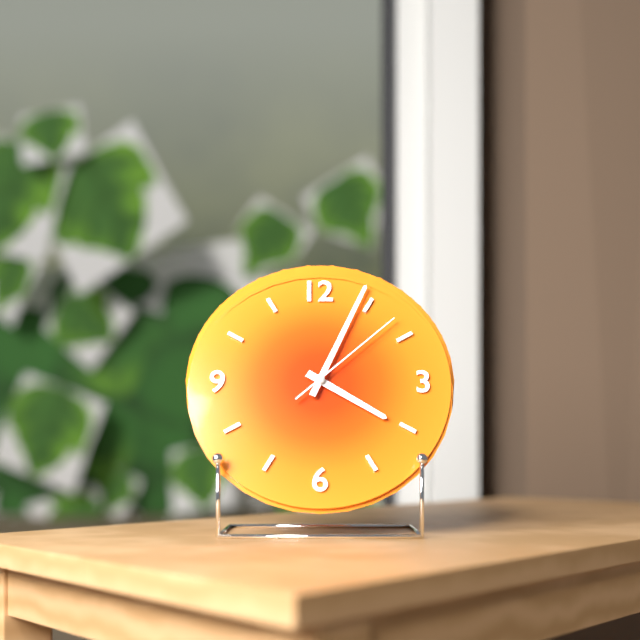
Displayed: 4h04m08s
